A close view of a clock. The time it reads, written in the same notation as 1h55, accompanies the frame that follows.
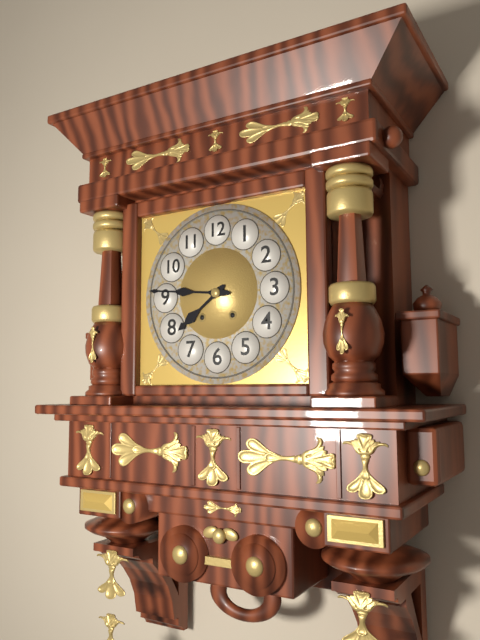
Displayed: 7h46
